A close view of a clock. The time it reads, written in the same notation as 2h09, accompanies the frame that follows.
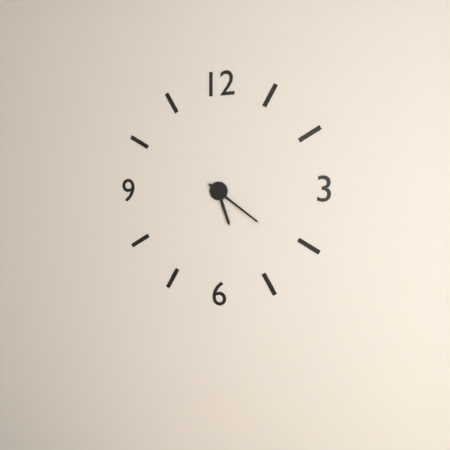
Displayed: 5h21
